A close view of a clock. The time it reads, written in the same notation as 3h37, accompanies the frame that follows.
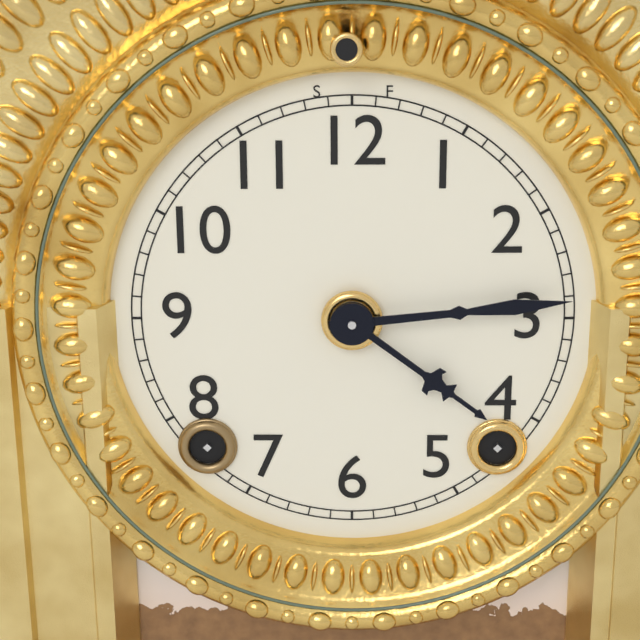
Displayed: 4h14
